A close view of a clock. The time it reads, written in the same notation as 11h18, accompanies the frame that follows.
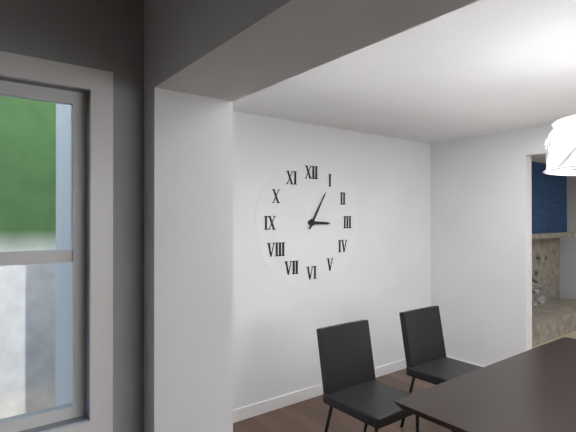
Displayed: 3h05
